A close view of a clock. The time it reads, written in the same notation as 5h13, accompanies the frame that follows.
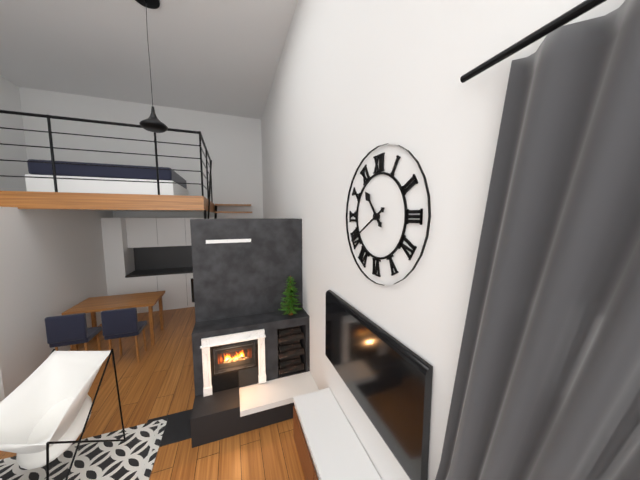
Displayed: 10h40
